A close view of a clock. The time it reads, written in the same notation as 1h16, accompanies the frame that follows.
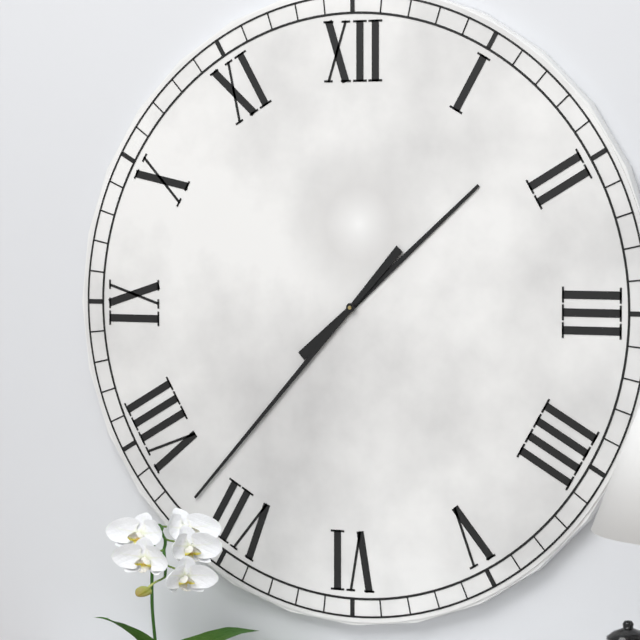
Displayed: 1h37
